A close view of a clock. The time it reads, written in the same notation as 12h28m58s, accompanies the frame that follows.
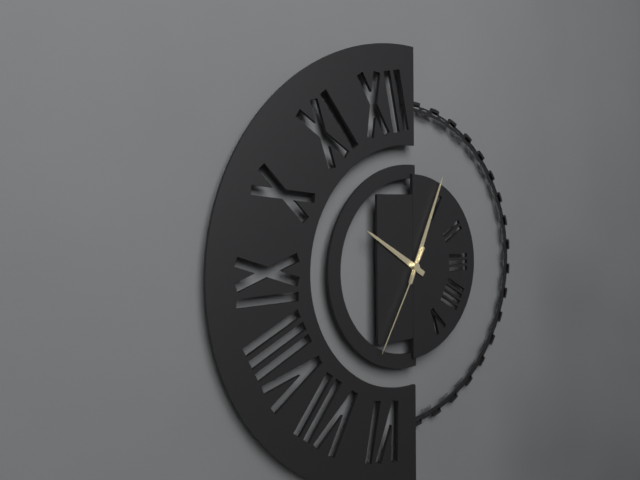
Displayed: 10h04m35s
